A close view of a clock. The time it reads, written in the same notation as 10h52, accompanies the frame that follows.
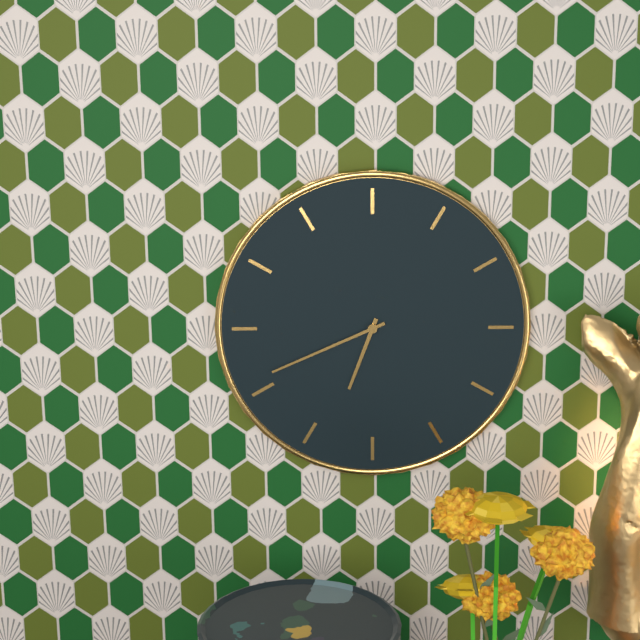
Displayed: 6h41
